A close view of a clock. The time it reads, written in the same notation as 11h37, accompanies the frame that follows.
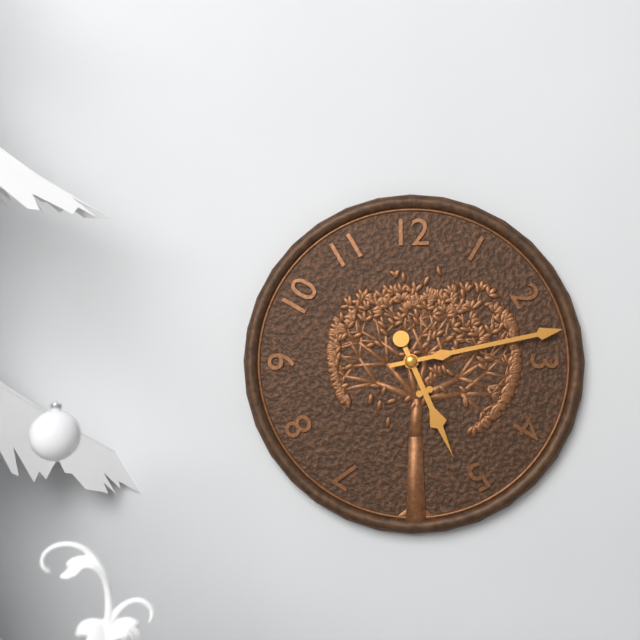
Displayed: 5h13
